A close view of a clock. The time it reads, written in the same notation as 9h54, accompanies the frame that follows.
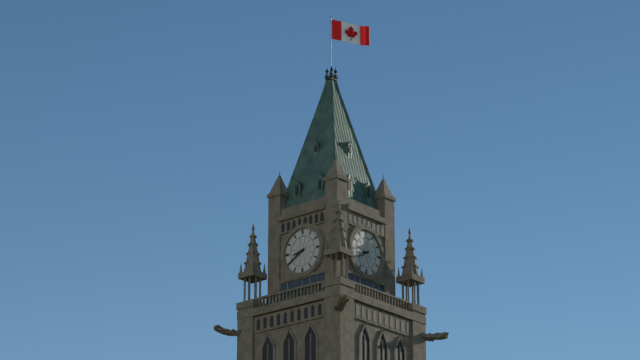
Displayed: 8h40
